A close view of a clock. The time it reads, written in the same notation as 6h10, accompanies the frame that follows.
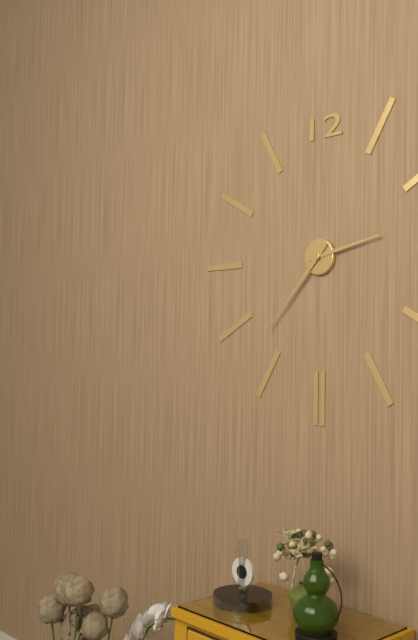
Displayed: 2h37
